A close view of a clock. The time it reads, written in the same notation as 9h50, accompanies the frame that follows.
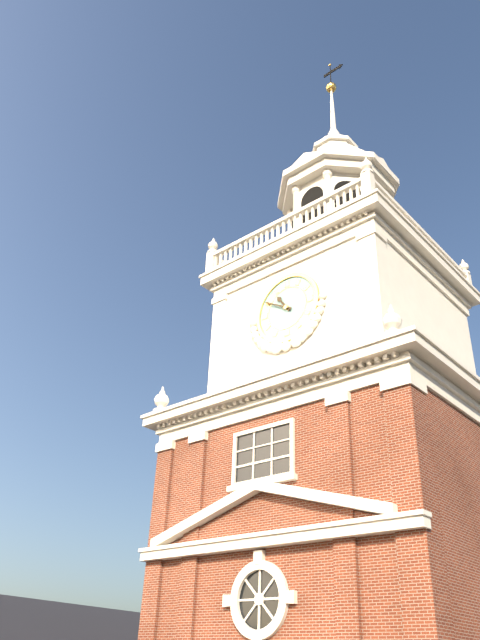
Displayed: 10h50
